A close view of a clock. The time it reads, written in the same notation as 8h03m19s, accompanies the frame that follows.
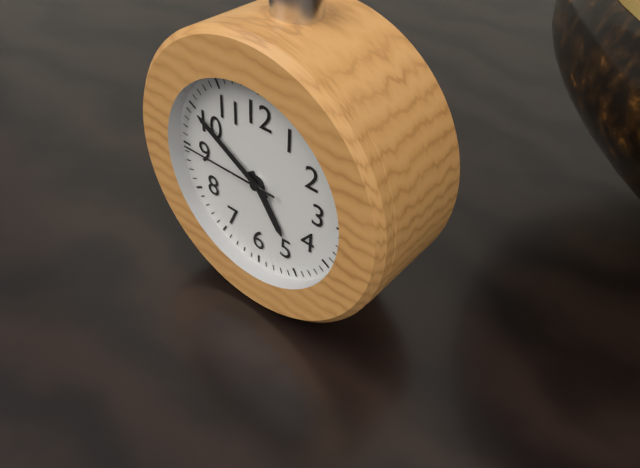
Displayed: 4h50m45s
